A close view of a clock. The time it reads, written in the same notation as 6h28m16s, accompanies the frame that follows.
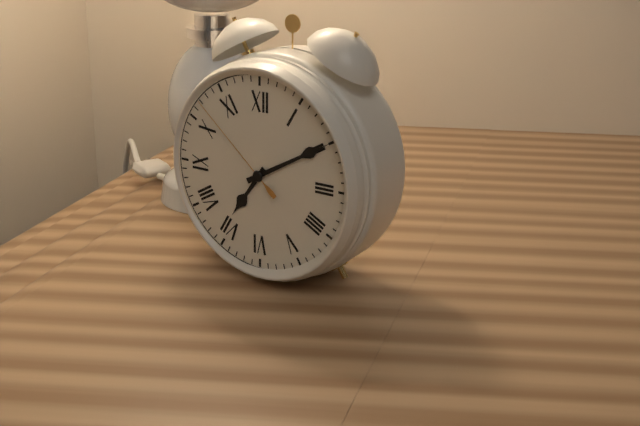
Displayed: 7h10m52s
